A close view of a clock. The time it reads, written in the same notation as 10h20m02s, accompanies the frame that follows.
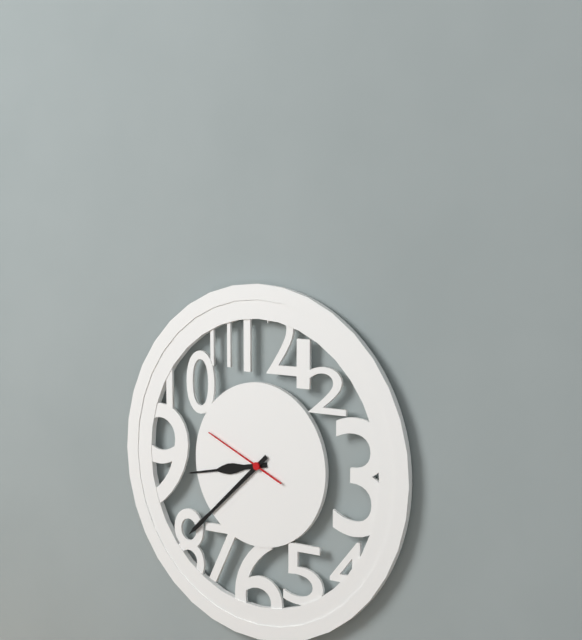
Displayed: 8h38m49s
